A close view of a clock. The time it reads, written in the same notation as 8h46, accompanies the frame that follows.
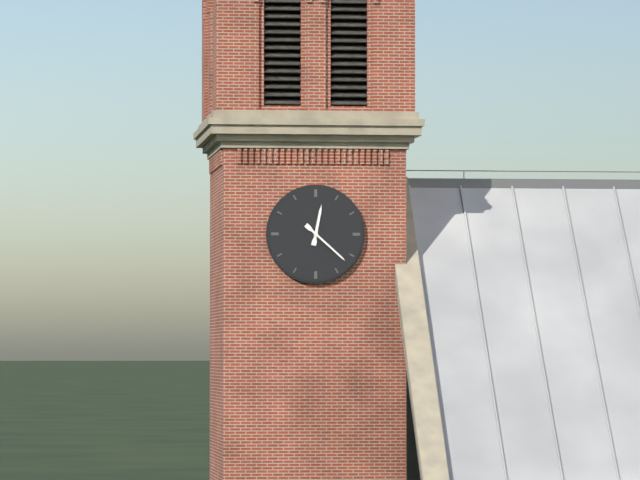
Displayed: 12h22
